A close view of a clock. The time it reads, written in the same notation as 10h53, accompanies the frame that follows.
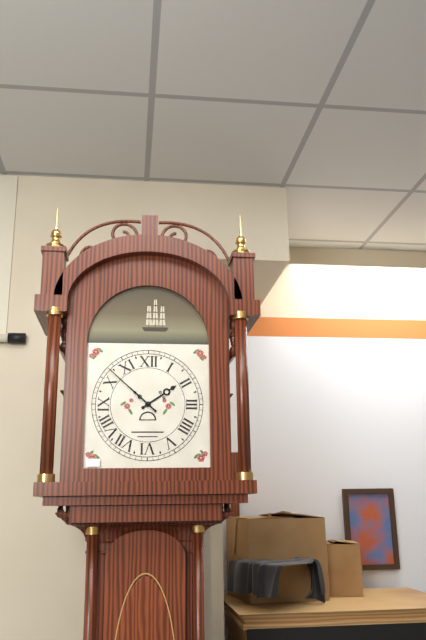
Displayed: 1h52
